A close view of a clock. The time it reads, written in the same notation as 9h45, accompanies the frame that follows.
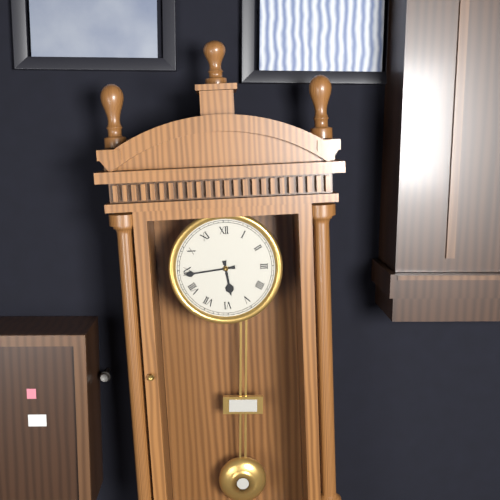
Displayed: 5h44
